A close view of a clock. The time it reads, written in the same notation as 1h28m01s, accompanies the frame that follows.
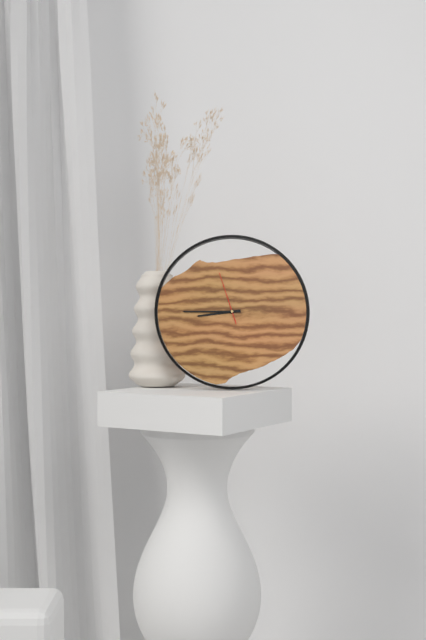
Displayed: 8h45m57s
